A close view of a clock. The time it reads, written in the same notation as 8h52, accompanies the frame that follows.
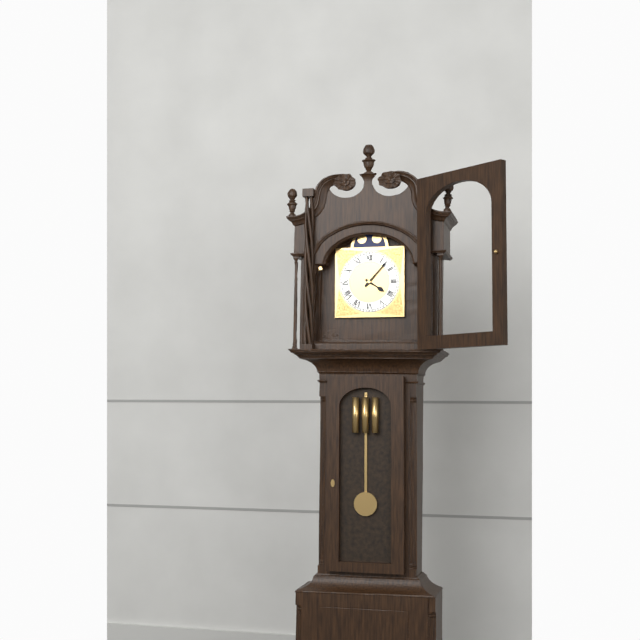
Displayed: 4h07
